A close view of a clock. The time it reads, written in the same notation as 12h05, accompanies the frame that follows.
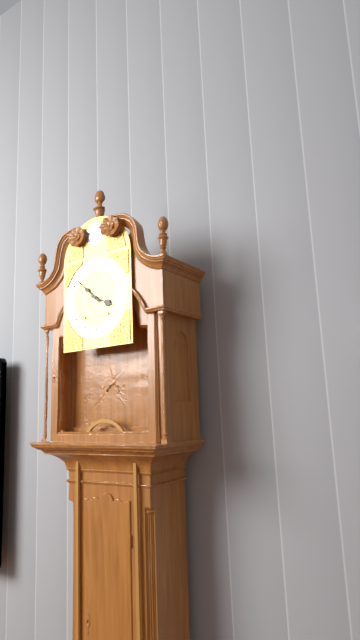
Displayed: 3h52
